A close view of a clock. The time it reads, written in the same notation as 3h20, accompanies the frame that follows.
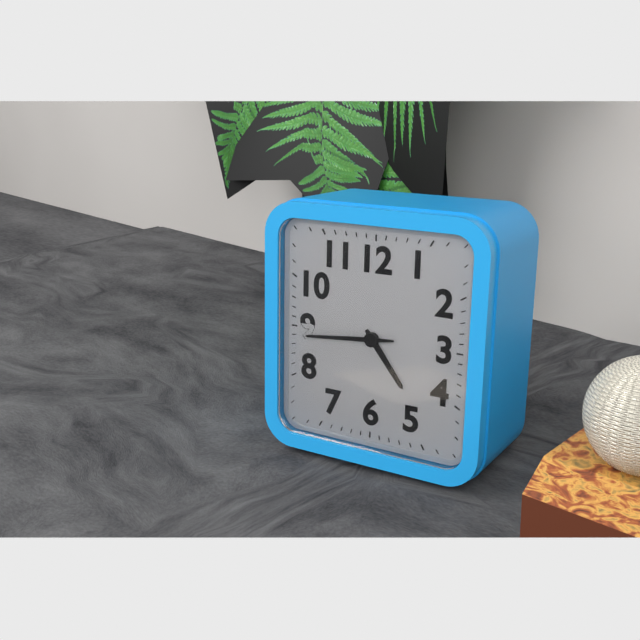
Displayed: 4h44
